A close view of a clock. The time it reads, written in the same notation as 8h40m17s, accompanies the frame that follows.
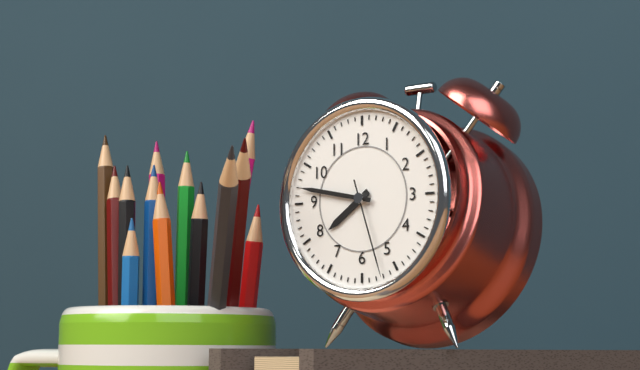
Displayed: 7h47m27s
